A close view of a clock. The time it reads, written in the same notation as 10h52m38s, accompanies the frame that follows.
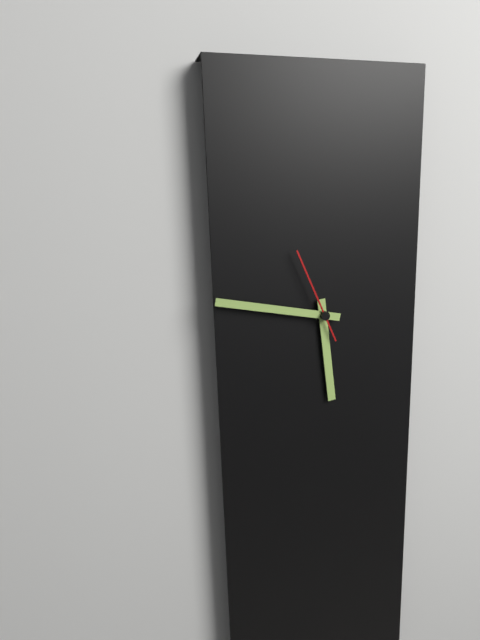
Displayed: 5h47m56s
